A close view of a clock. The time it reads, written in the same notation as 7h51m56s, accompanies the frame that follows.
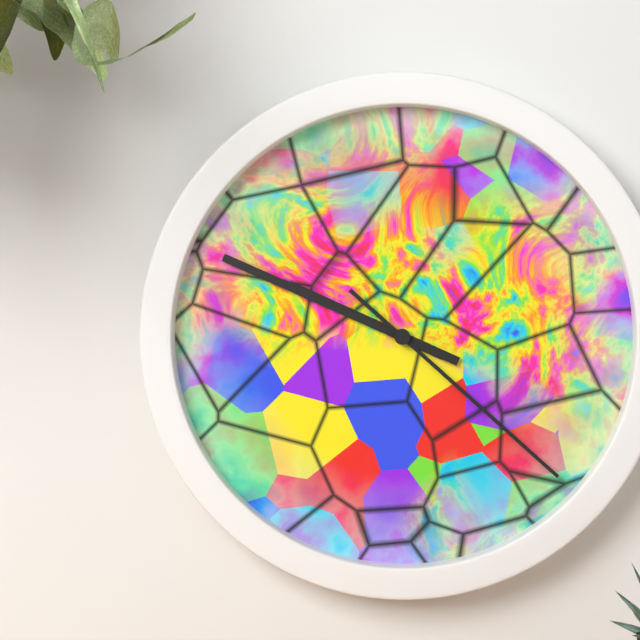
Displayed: 9h49m22s
